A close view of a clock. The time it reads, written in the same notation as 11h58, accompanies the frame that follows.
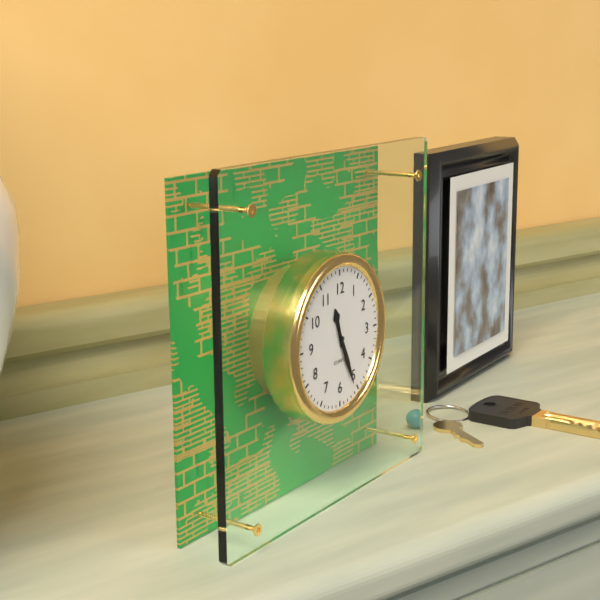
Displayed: 11h26
